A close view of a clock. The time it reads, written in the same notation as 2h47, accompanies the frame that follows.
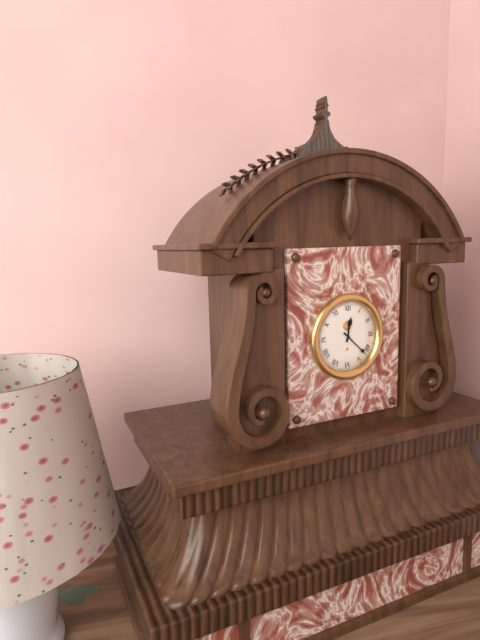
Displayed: 12h22
